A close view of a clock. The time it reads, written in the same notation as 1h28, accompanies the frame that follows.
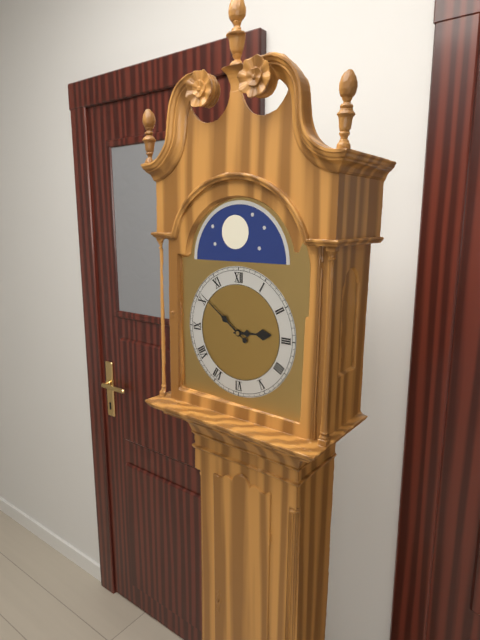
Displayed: 2h51
